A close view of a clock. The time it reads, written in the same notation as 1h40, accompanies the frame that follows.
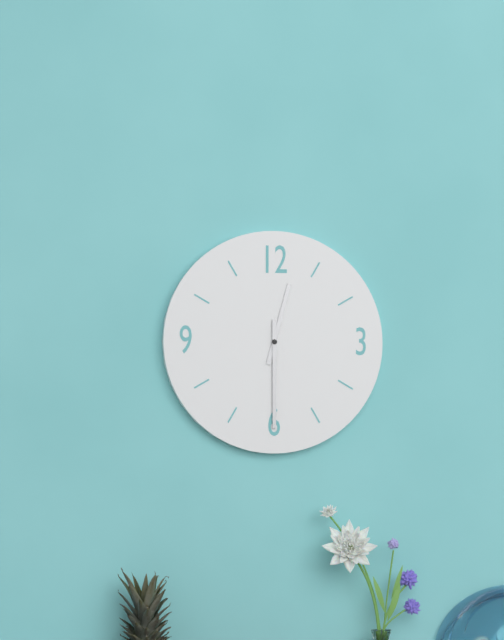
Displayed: 12h30
